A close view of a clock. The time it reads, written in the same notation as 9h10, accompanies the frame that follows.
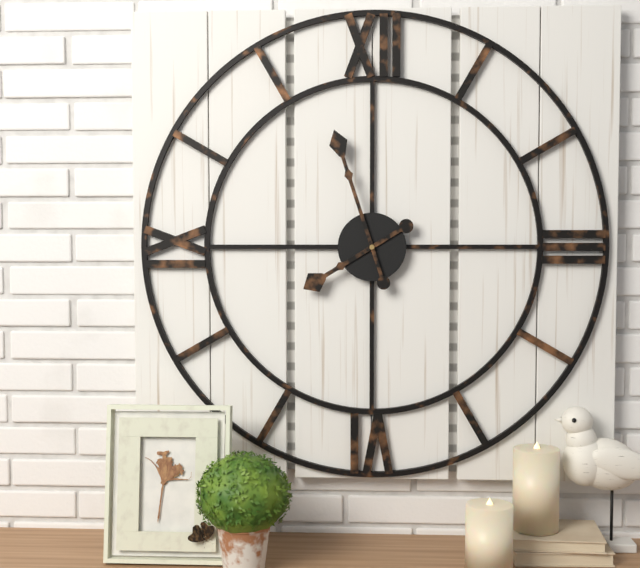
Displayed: 7h57
